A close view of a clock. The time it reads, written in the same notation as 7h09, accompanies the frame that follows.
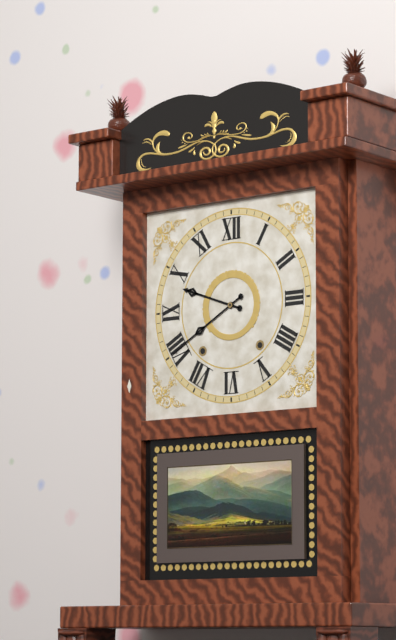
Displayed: 9h40
